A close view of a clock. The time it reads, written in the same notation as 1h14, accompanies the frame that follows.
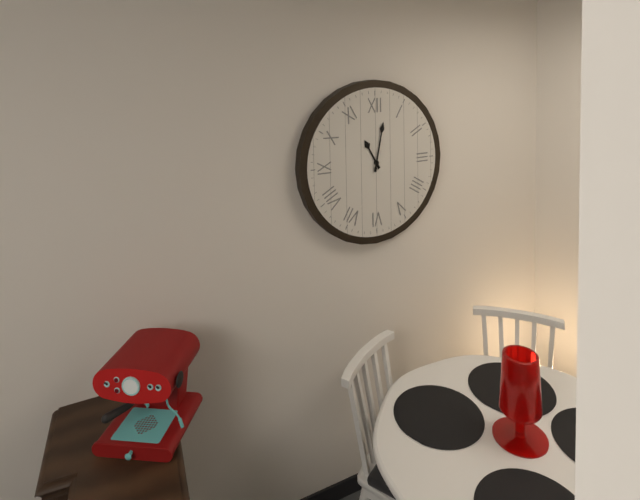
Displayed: 11h02
